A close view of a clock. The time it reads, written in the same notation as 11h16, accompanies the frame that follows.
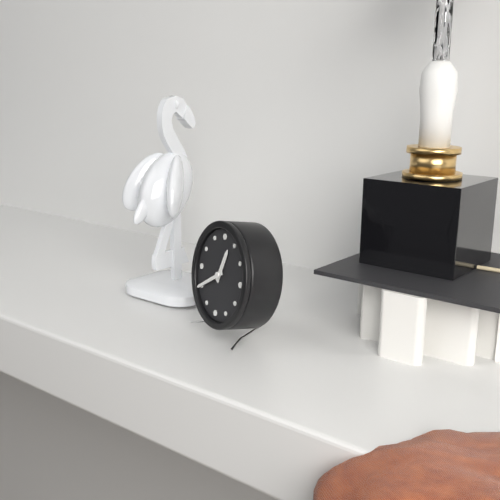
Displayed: 12h40
